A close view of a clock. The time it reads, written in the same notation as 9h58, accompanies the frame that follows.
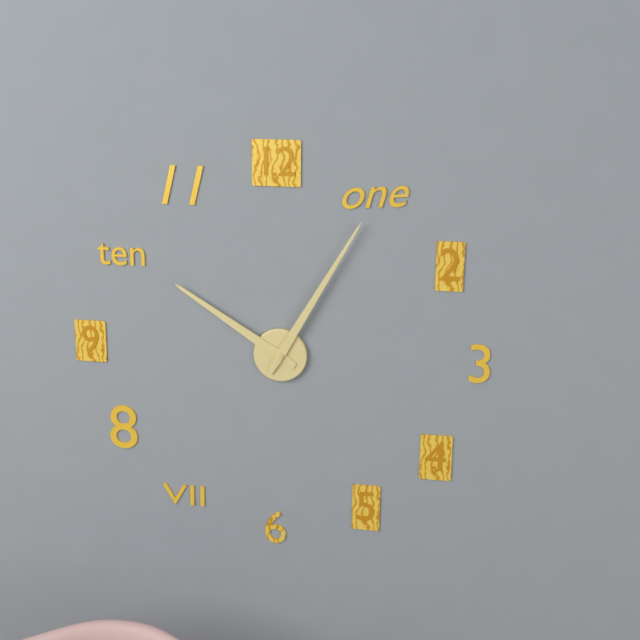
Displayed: 10h05
